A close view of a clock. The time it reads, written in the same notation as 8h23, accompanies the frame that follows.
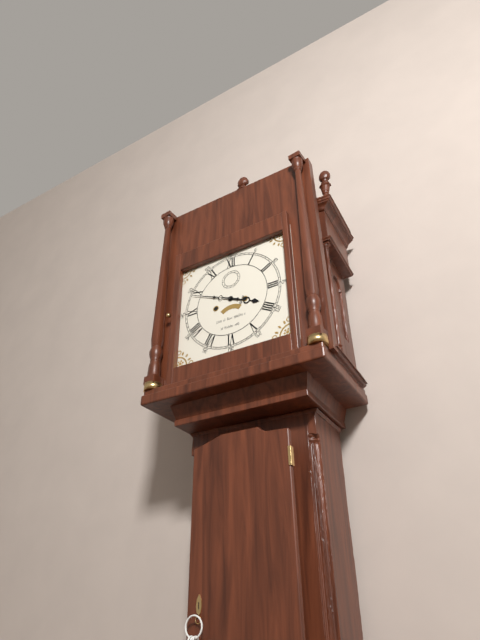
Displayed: 3h49
